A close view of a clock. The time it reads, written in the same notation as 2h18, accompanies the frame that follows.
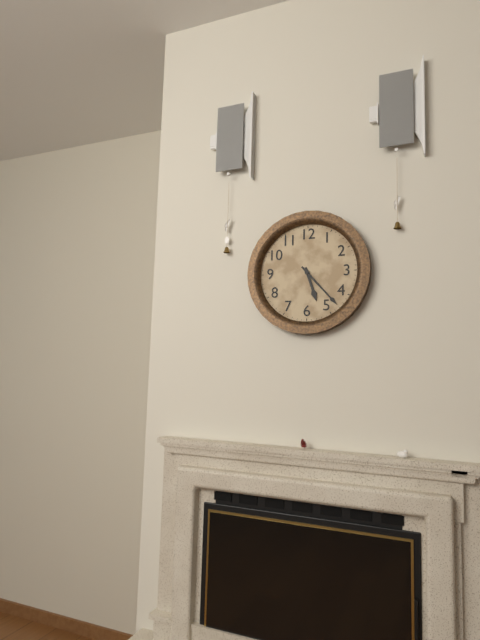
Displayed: 5h23
